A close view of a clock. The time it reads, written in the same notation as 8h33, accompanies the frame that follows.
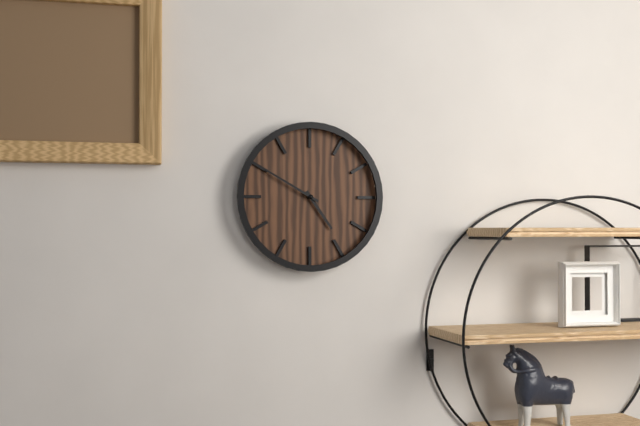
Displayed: 4h50
